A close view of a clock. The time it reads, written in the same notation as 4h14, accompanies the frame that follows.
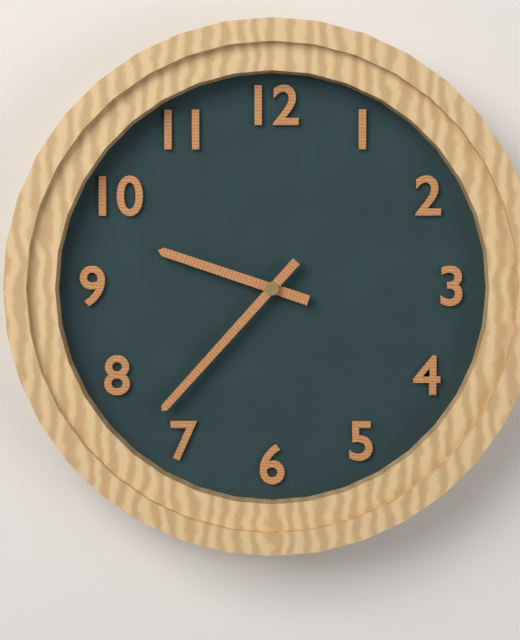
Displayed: 9h37
